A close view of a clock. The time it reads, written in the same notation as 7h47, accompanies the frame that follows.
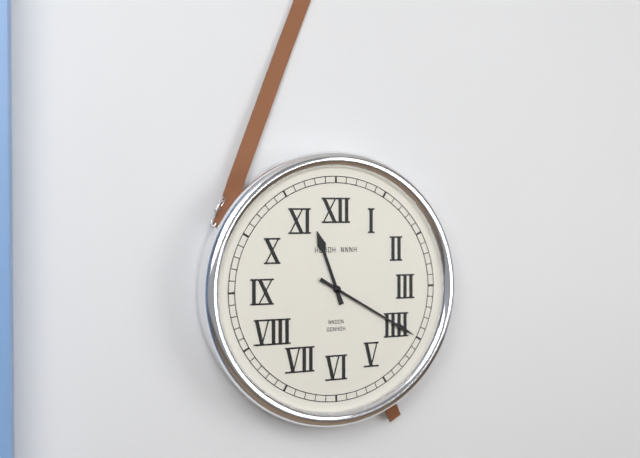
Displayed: 11h20
